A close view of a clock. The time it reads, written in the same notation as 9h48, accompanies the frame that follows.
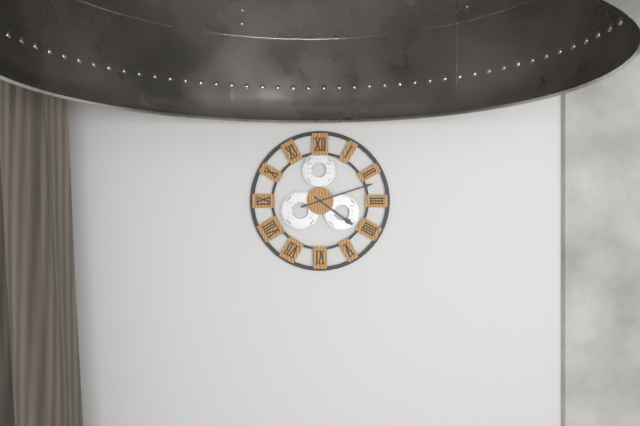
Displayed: 4h12
